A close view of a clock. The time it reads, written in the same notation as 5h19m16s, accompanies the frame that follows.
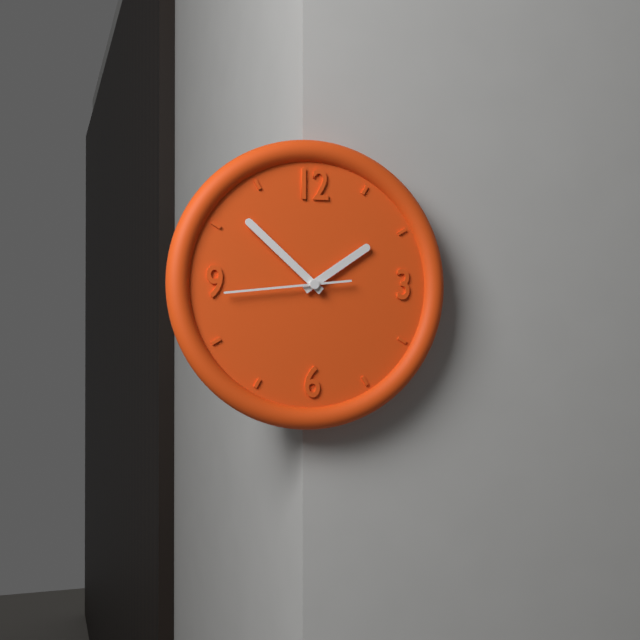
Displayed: 1h52m44s
